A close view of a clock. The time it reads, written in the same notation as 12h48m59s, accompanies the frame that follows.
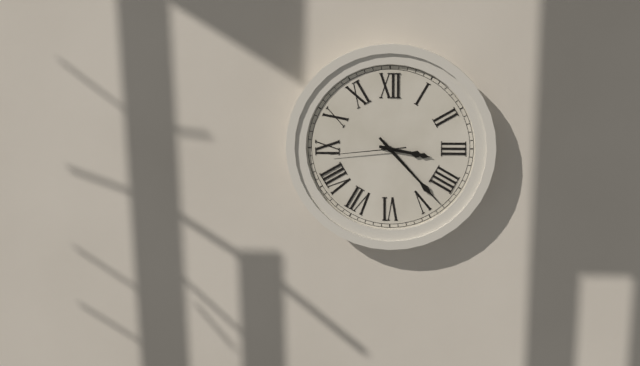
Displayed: 3h23m44s
